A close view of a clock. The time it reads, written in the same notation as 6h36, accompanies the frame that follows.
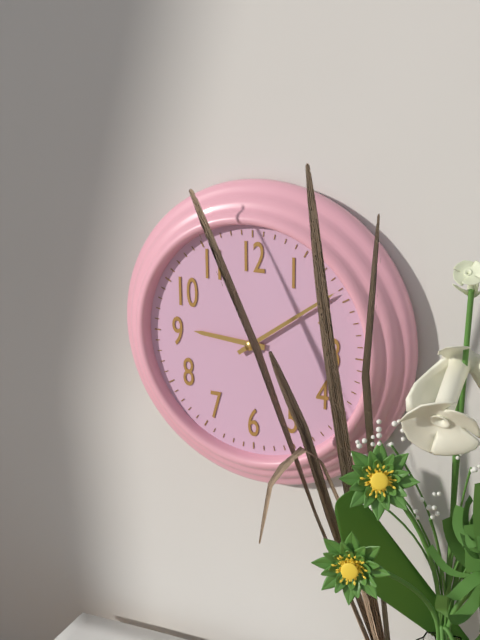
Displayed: 9h09
